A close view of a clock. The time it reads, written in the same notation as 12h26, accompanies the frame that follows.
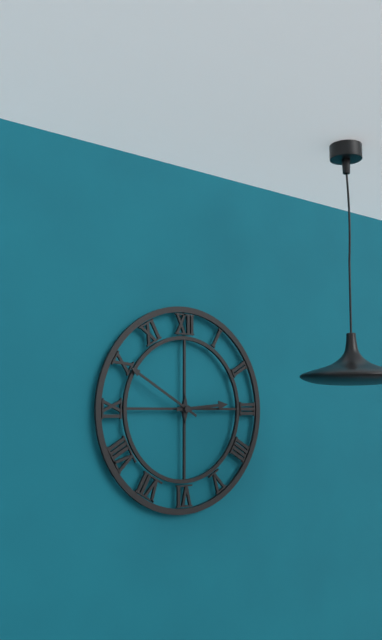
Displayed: 2h50
